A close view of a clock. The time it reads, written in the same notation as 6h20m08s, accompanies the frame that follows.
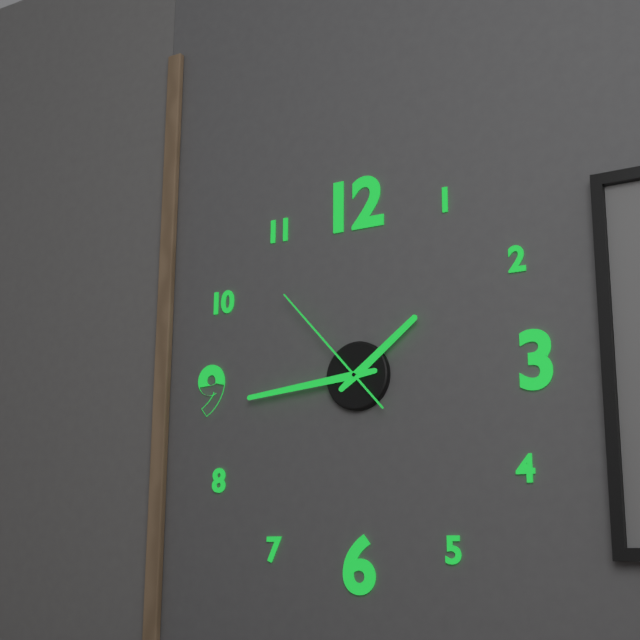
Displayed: 1h44m53s
